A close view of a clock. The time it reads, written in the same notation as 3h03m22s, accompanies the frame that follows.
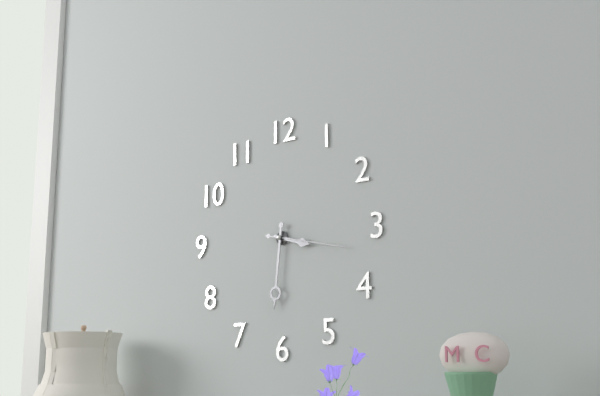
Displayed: 3h31m17s
